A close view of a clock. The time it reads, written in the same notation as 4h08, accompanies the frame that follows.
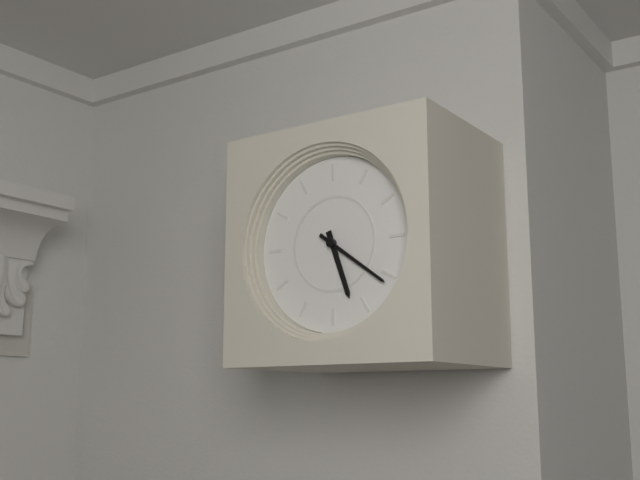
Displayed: 5h21
